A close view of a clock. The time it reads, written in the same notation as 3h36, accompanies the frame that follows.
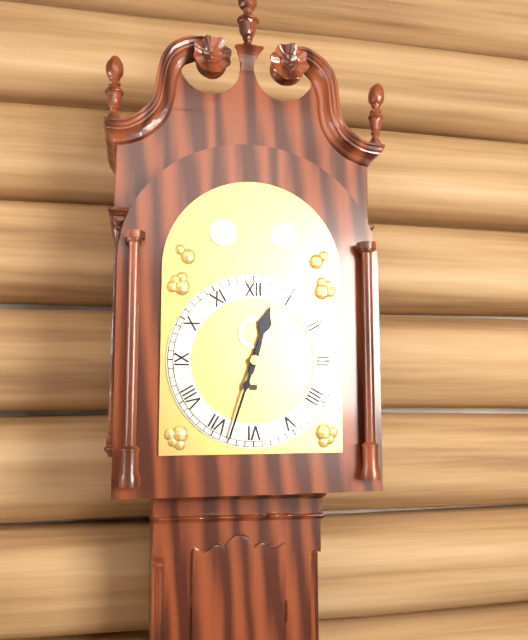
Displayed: 12h33
